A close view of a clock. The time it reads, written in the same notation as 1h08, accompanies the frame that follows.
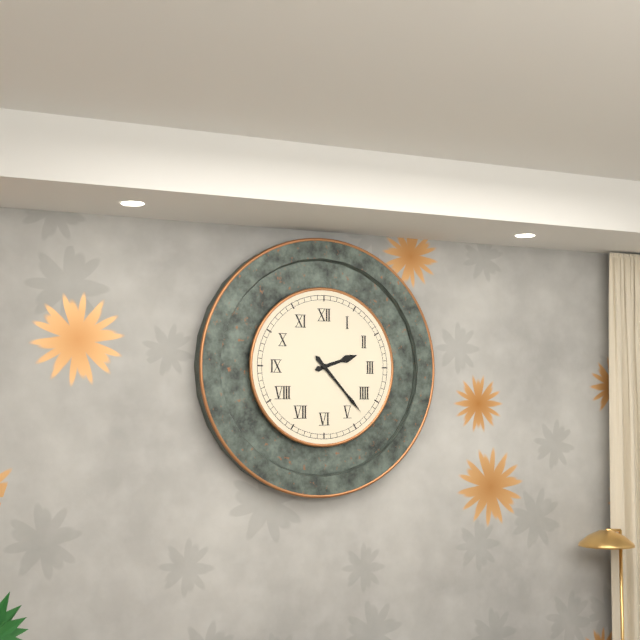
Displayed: 2h23
